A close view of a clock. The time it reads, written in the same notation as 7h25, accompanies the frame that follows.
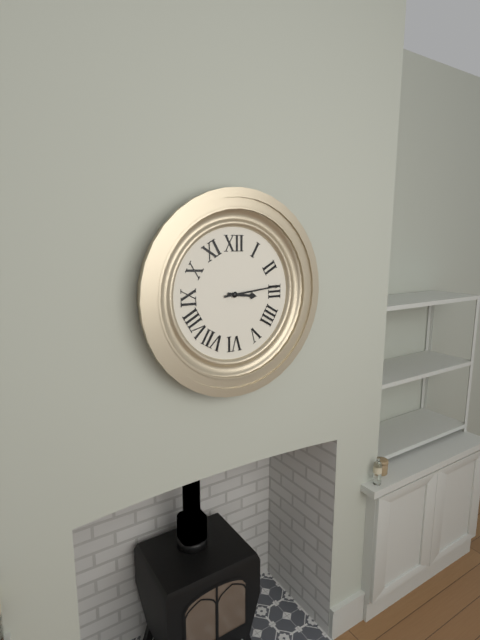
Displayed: 3h14
